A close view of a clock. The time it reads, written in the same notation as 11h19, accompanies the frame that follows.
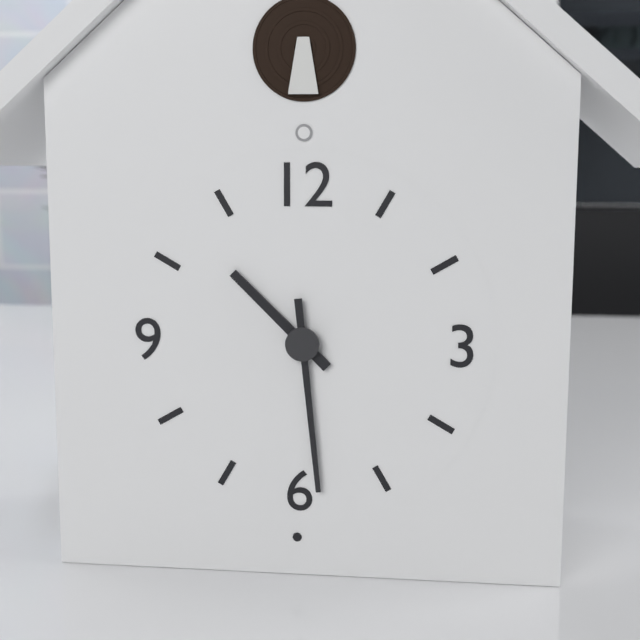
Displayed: 10h29
